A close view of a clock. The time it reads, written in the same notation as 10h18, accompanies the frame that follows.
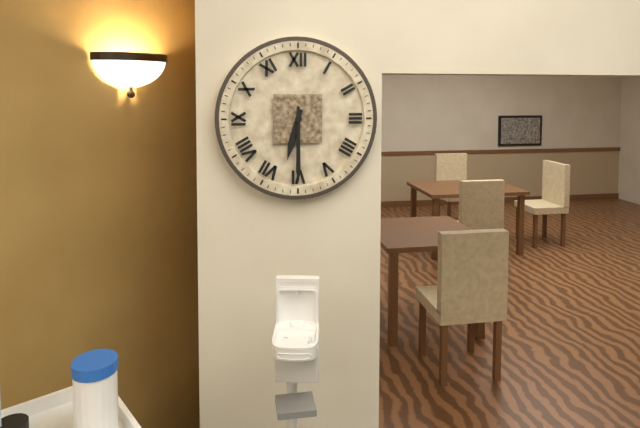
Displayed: 6h30
